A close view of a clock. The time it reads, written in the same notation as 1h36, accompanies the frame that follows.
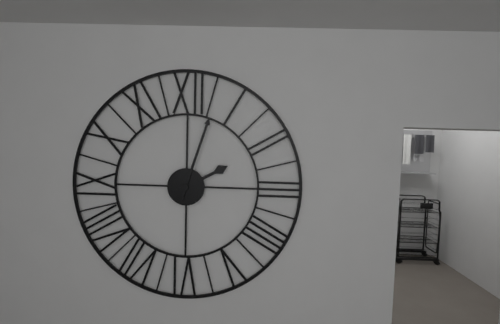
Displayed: 2h03
